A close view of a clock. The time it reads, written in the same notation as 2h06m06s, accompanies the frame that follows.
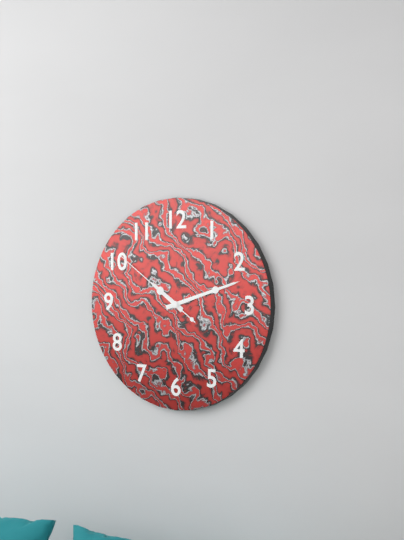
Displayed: 10h12m51s
